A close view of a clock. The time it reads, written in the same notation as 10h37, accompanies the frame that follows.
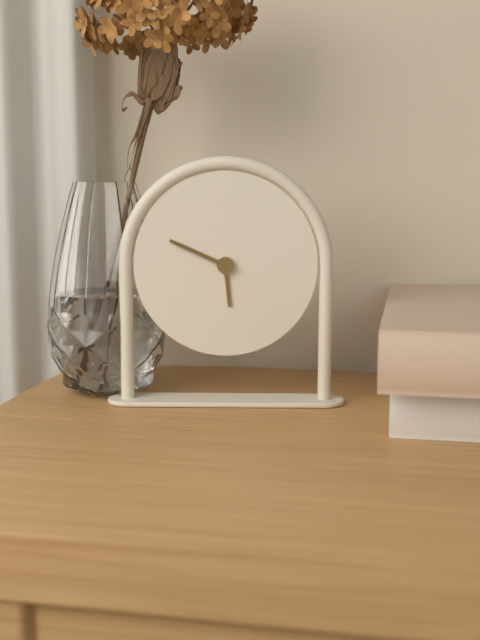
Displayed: 5h49
